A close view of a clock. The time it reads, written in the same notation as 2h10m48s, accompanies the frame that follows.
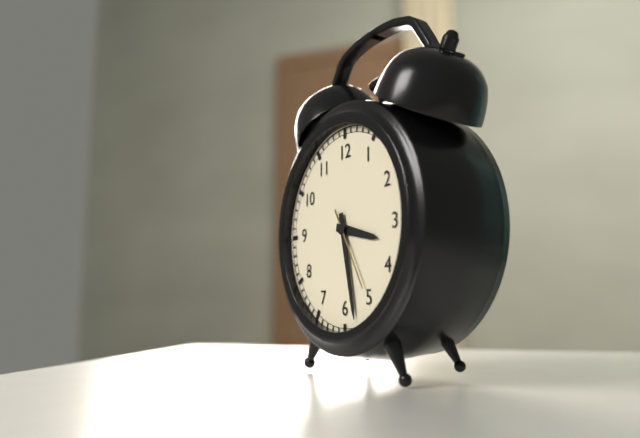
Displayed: 3h28m25s
